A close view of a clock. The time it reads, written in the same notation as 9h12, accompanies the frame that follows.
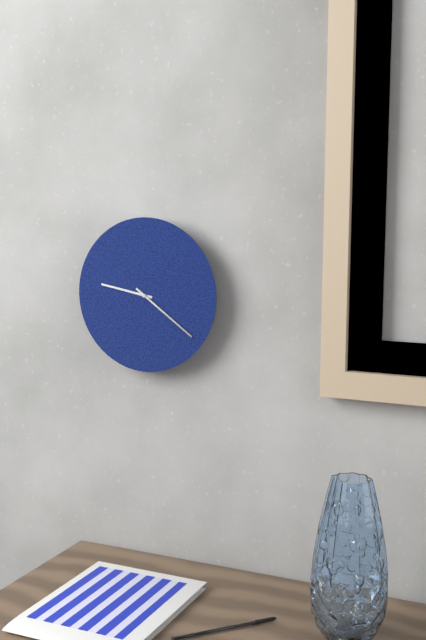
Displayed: 9h21
